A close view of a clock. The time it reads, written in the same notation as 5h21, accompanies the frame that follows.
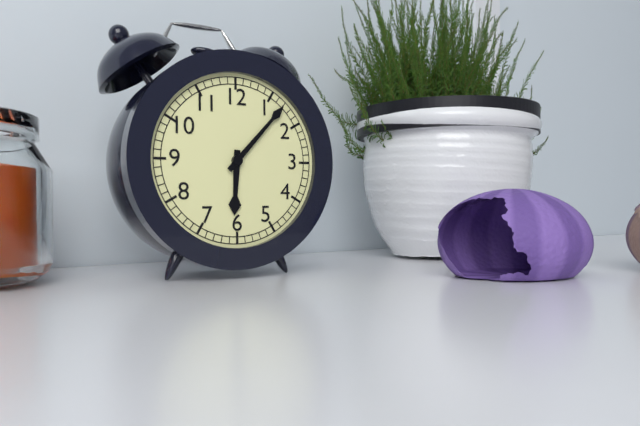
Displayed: 6h07
